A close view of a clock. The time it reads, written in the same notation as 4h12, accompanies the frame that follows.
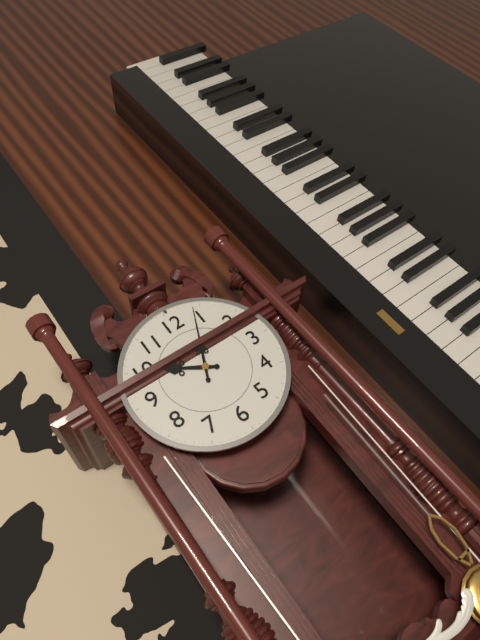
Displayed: 10h04
